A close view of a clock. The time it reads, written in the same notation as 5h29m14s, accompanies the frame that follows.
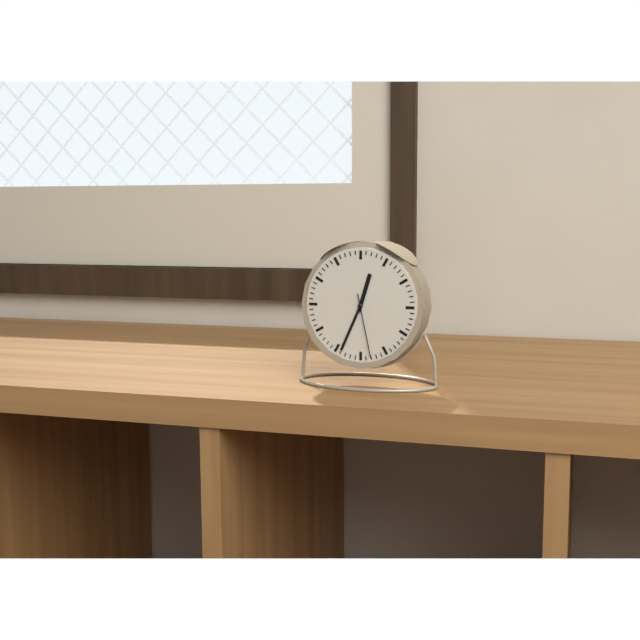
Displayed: 12h34m28s
